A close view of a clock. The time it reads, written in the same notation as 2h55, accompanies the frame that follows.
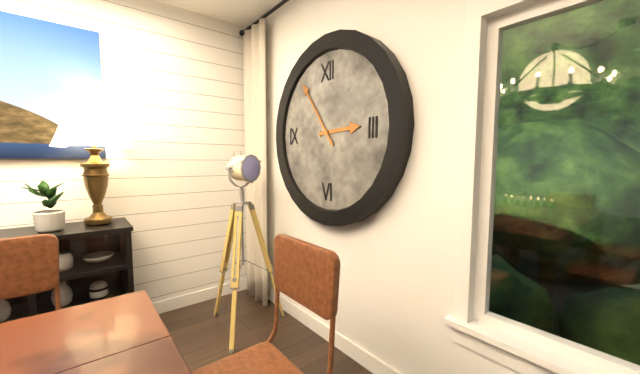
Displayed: 2h54
